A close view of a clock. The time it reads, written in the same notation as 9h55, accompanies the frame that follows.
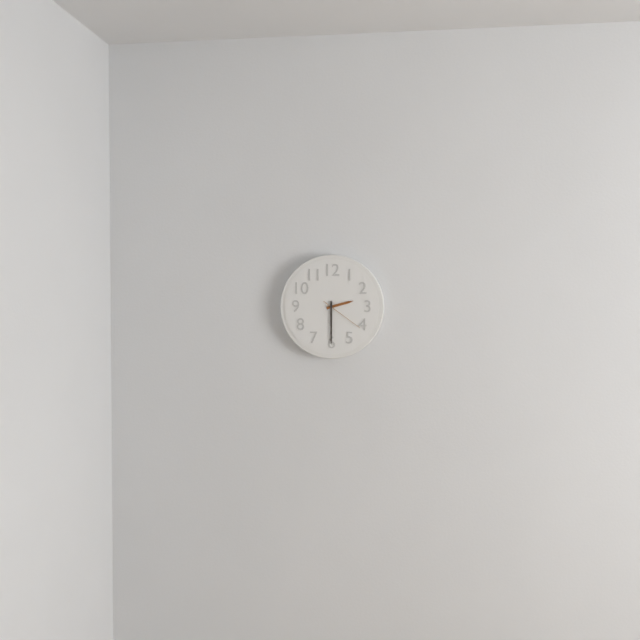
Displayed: 2h30
